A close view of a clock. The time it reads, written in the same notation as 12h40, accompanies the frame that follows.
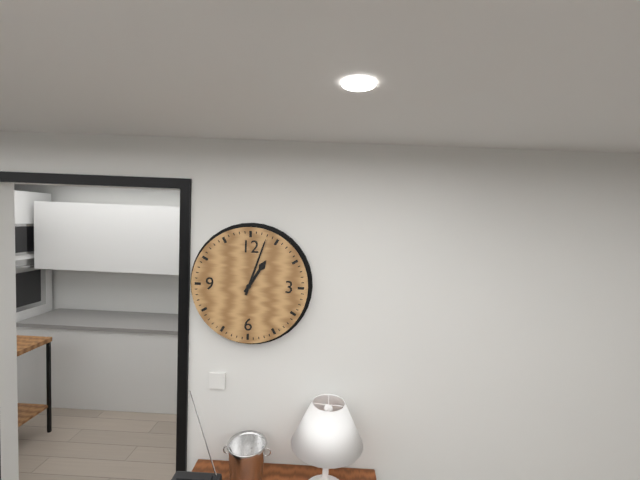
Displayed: 1h03
